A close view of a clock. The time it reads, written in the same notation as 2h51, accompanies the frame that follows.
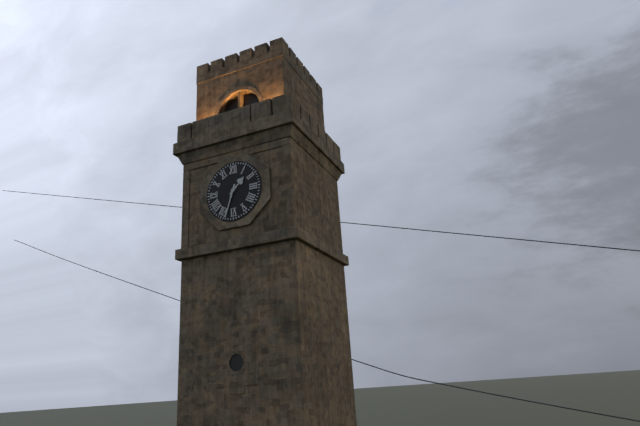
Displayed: 1h33
